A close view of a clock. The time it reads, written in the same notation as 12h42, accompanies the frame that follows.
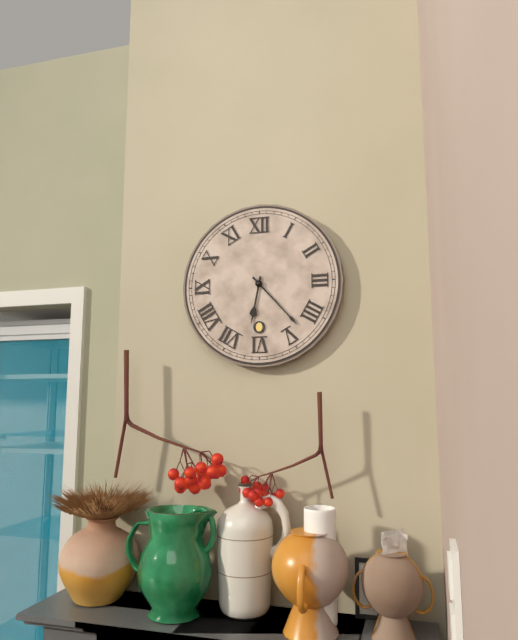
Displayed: 6h23
